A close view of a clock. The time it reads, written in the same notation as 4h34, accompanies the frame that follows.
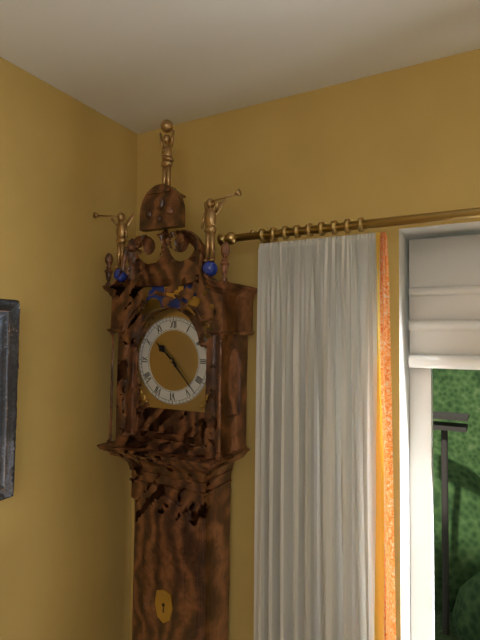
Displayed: 10h23
